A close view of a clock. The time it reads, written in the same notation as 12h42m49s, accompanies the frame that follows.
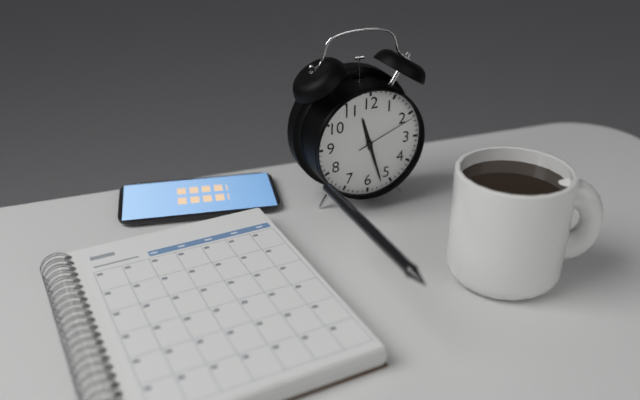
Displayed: 11h27m11s
